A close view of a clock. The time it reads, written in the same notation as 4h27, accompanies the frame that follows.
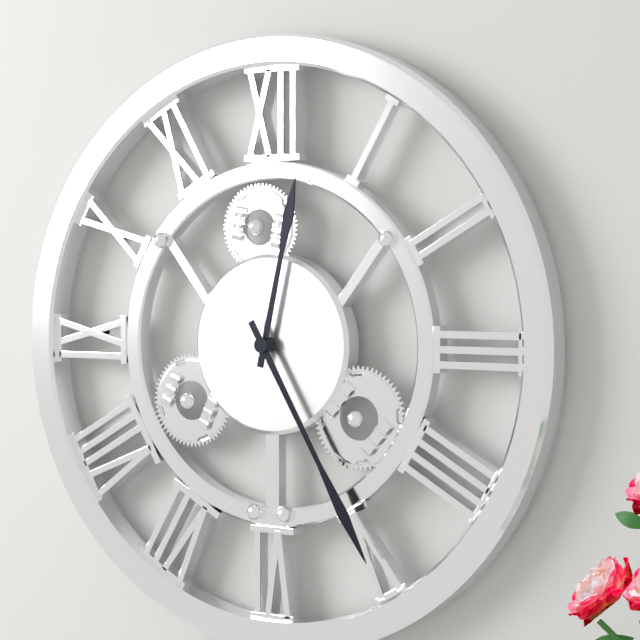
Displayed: 12h25
